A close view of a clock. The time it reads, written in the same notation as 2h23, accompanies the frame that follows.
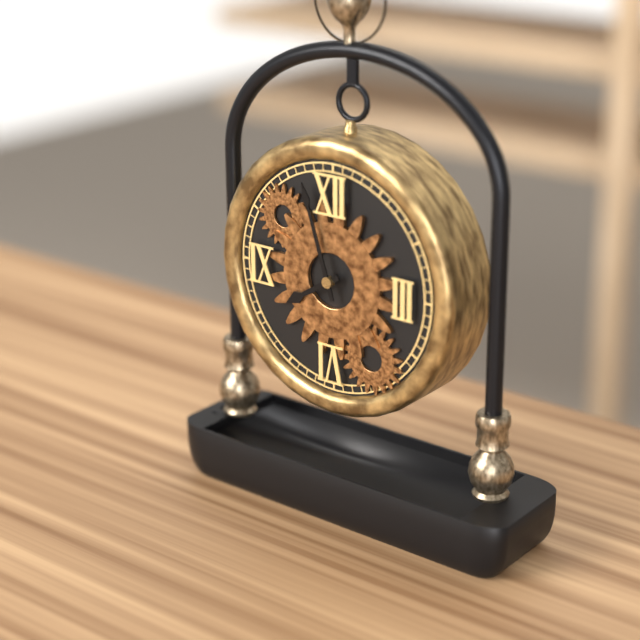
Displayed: 7h57
